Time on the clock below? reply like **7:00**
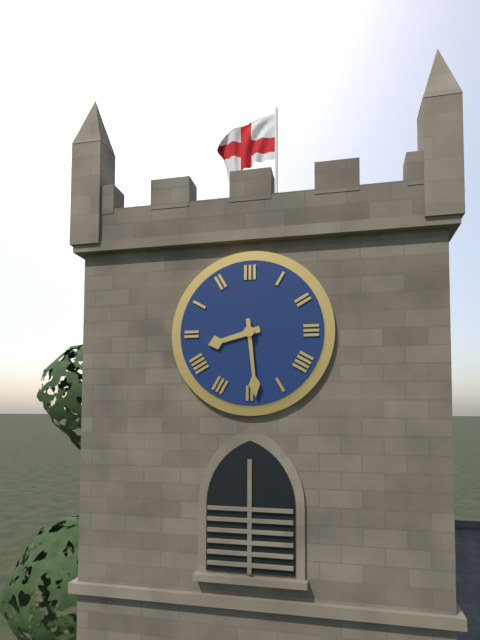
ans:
**8:29**
